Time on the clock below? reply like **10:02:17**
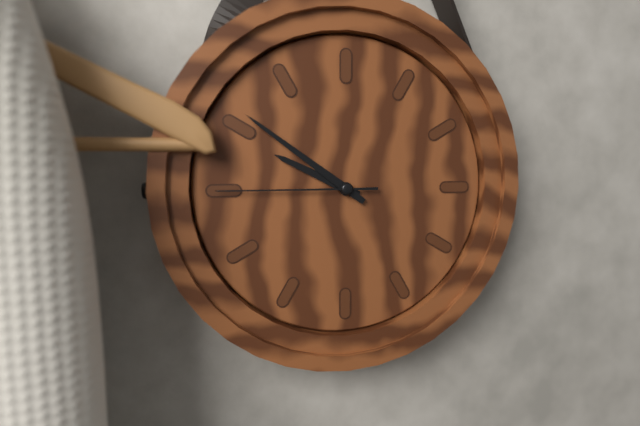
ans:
**9:51:45**
